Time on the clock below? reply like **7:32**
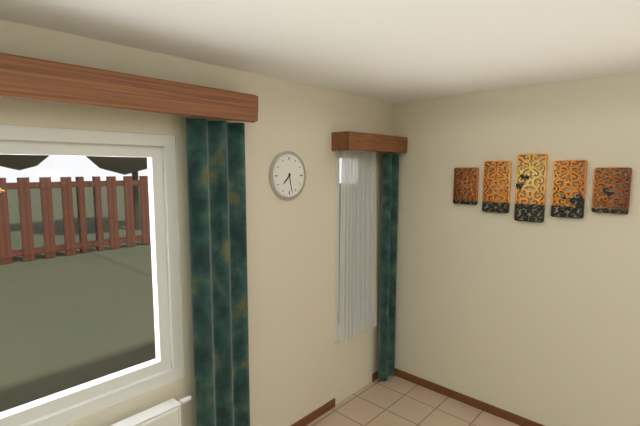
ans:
**7:28**
